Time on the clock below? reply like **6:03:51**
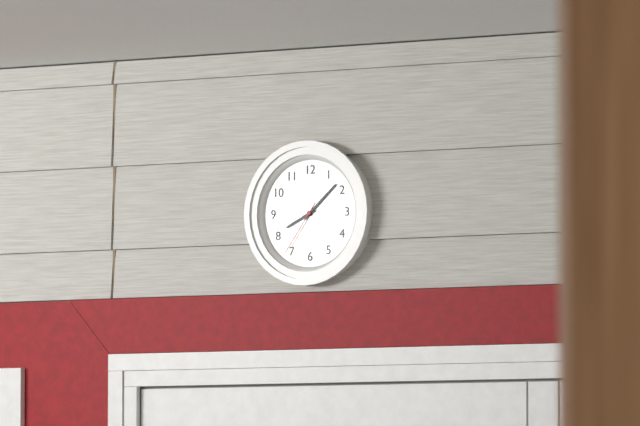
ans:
**8:08:36**
